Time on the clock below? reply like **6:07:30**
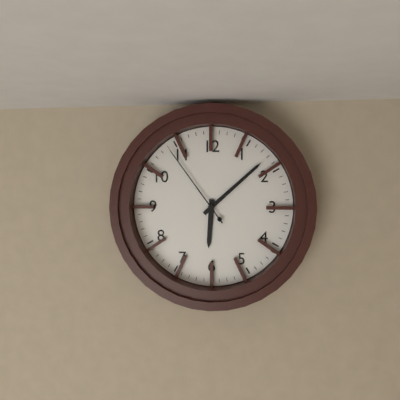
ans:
**6:08:54**
